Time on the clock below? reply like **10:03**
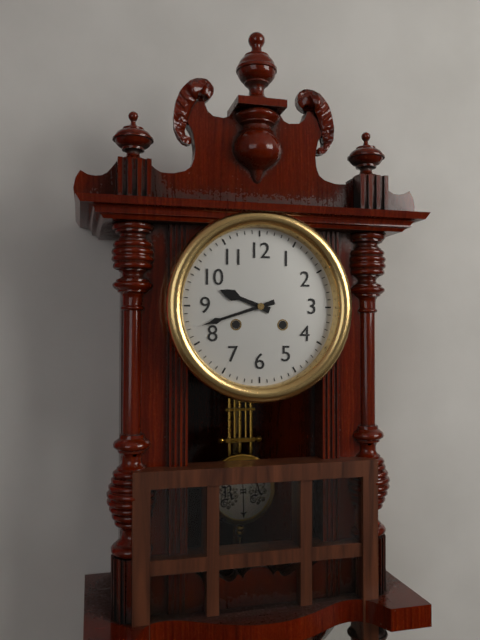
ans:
**9:42**
